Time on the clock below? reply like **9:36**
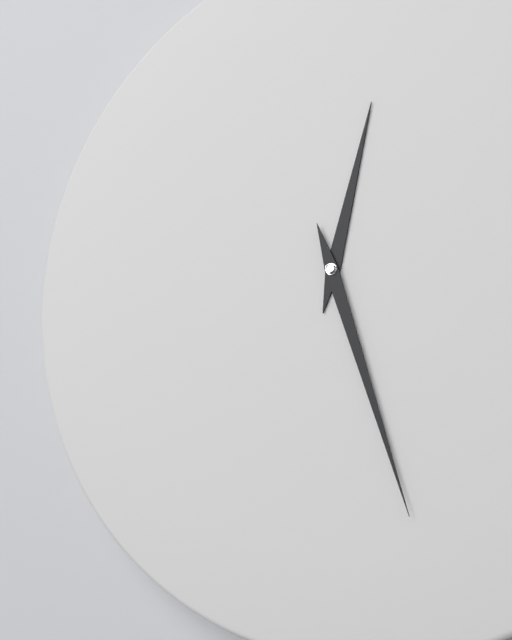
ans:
**12:27**
